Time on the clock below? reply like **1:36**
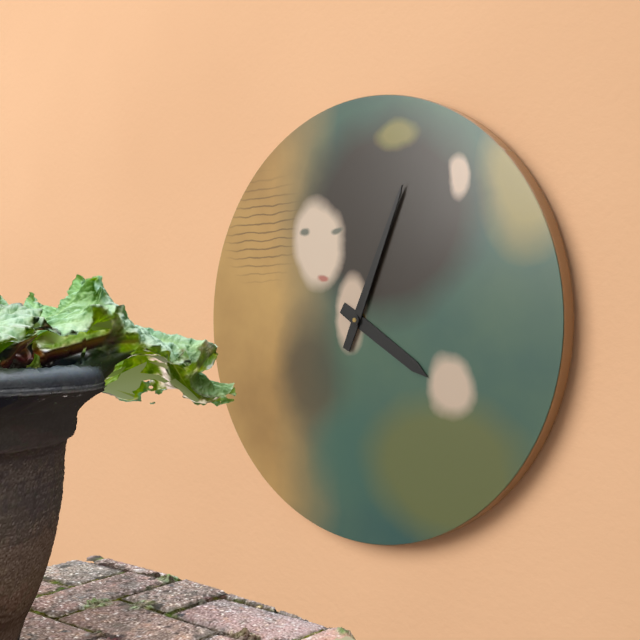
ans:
**4:04**
